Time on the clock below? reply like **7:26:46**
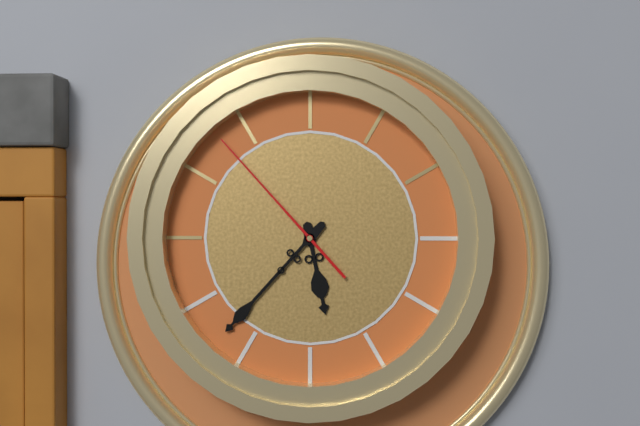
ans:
**5:37:53**
